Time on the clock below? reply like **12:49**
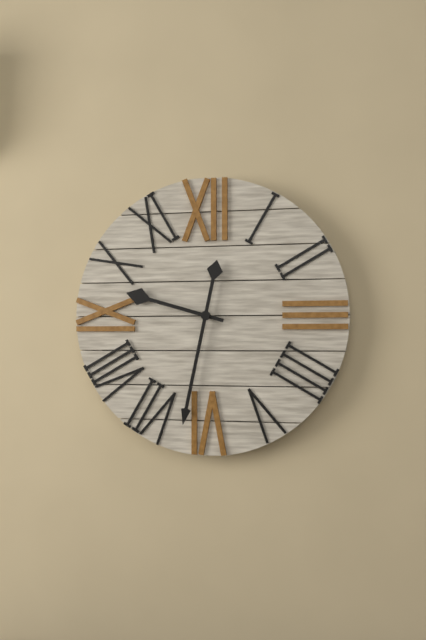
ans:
**9:32**
